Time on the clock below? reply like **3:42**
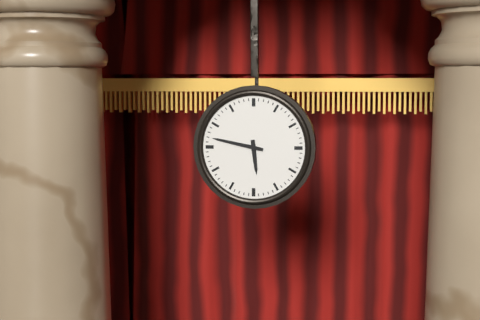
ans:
**5:47**
